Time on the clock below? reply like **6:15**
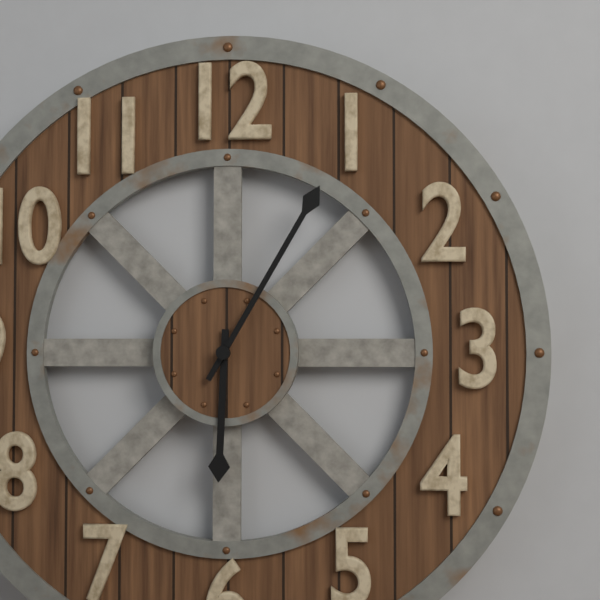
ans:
**6:05**
